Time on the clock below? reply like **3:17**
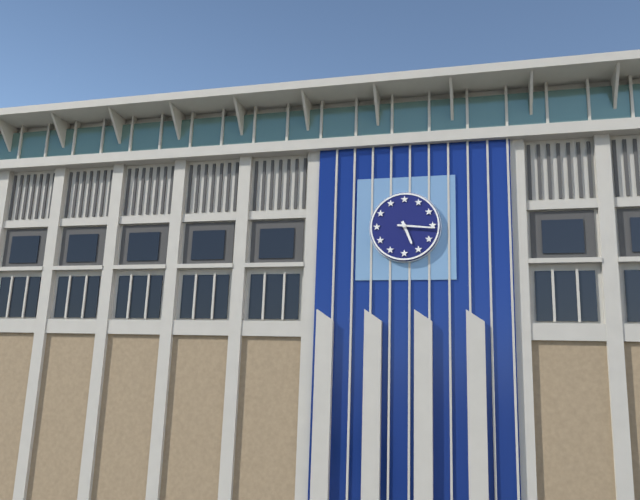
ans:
**5:16**
